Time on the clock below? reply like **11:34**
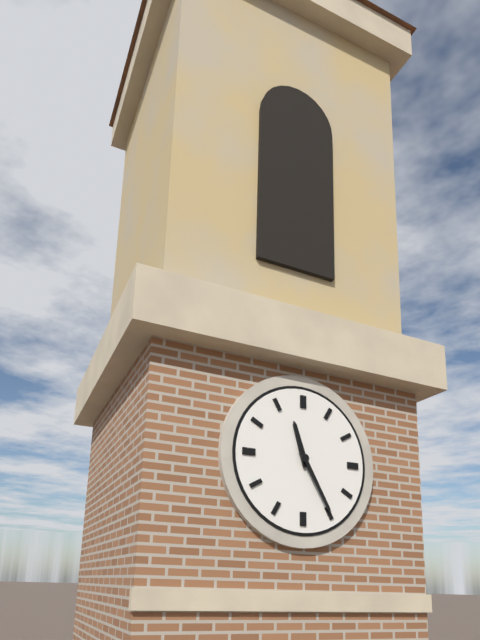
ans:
**11:25**
